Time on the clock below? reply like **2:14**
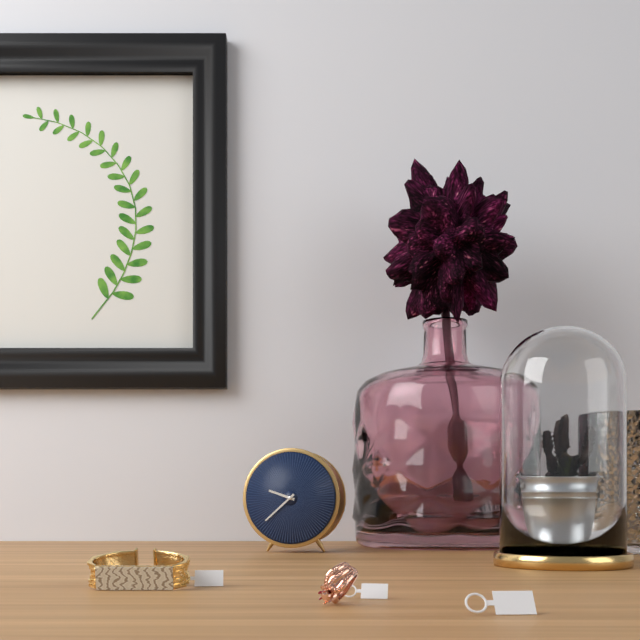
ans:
**9:38**
